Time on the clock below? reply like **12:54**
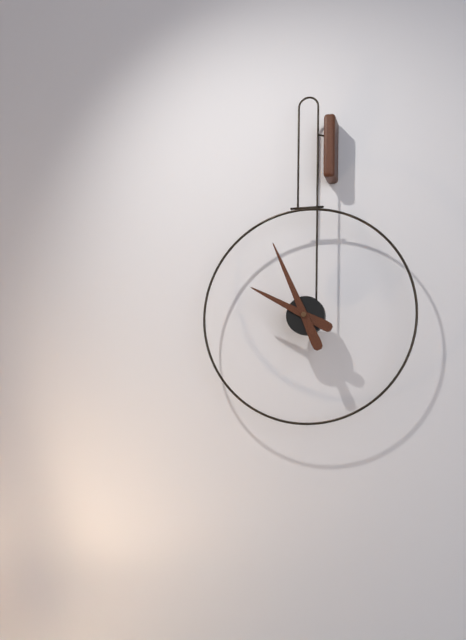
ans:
**9:56**
